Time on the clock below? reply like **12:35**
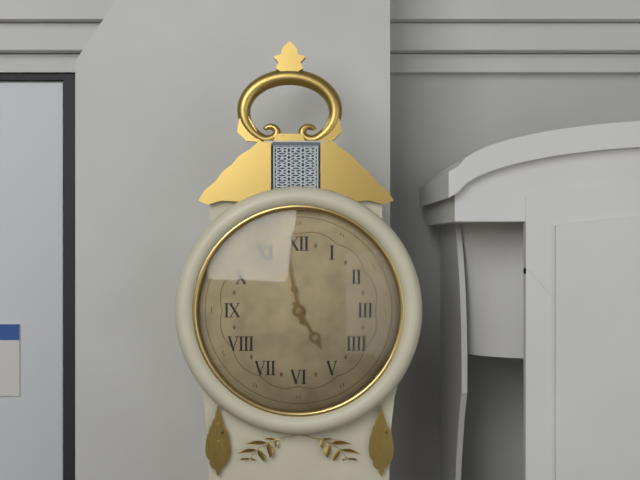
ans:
**4:58**
